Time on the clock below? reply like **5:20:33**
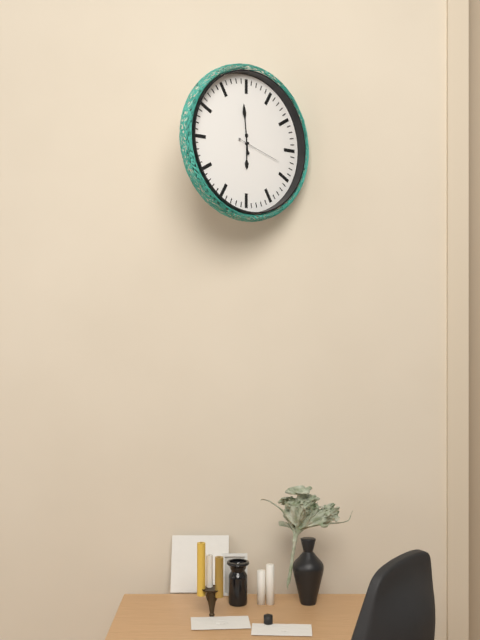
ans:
**5:59:18**
